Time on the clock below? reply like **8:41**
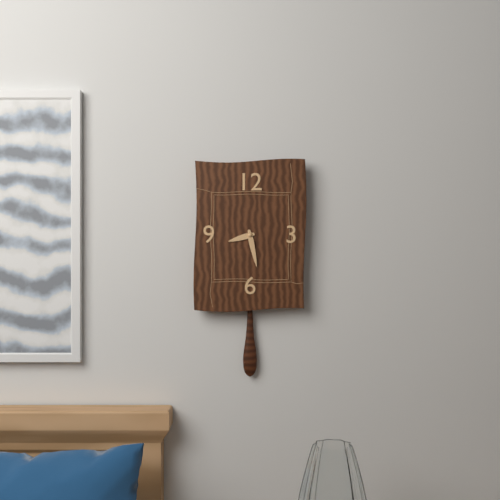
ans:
**8:28**
